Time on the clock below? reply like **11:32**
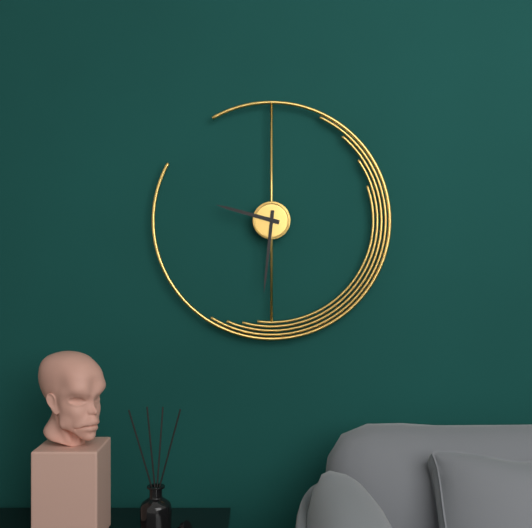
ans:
**9:31**
